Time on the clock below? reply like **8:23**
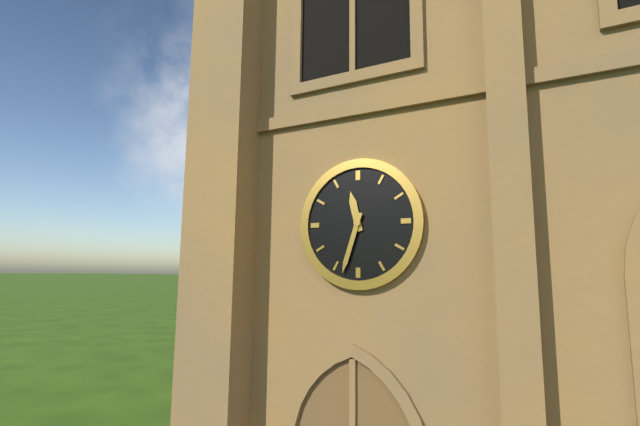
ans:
**11:33**
